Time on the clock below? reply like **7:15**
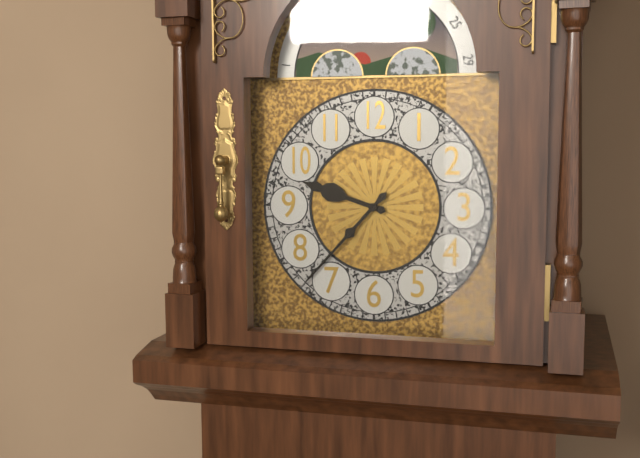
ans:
**9:37**
